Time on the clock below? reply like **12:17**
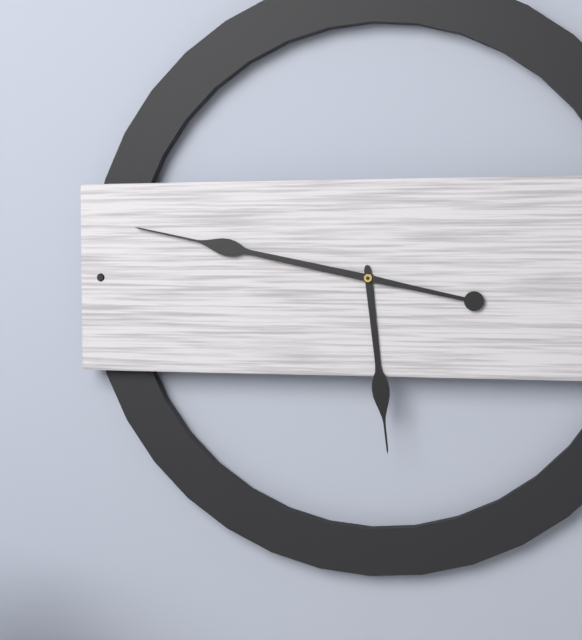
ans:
**5:47**
